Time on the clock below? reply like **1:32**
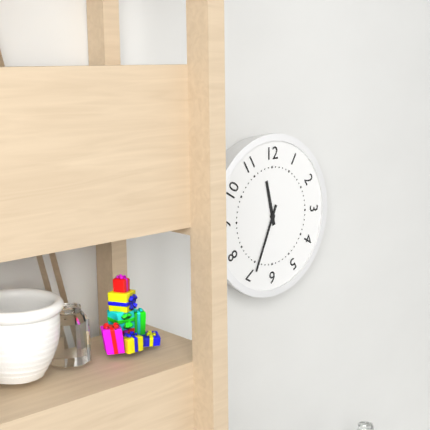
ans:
**11:34**
